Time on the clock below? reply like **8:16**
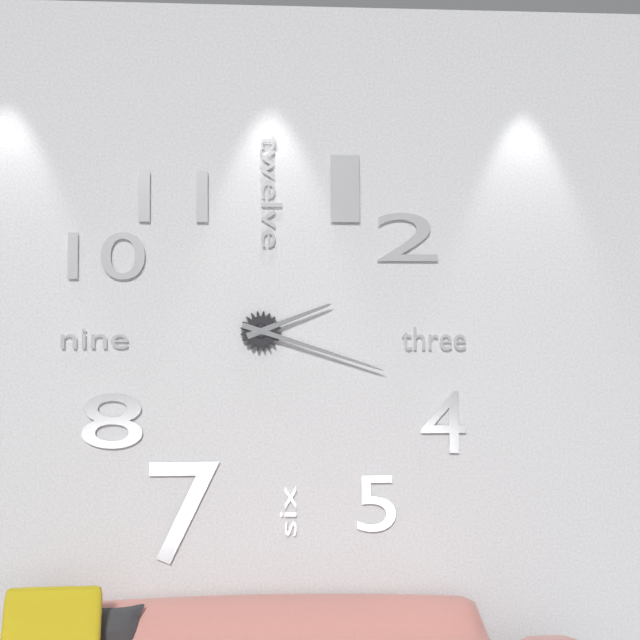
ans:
**2:18**
